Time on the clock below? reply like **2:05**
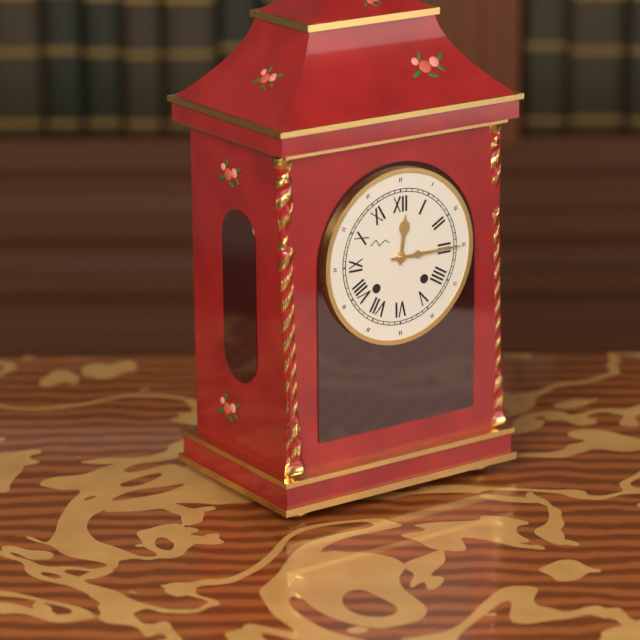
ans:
**12:15**
